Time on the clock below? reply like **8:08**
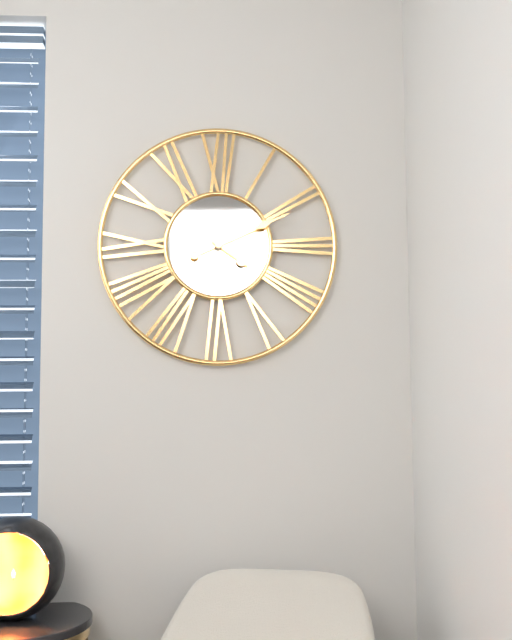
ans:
**4:11**
